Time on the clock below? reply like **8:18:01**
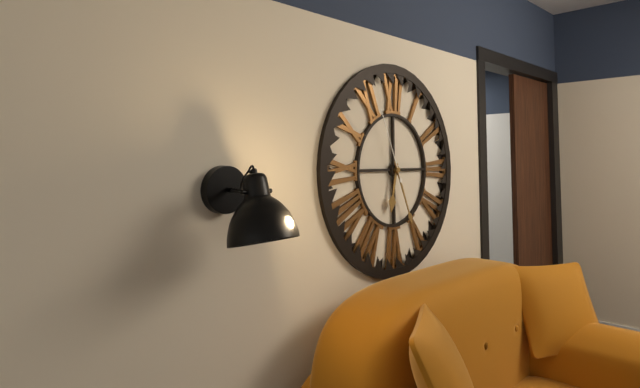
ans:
**6:26:56**
